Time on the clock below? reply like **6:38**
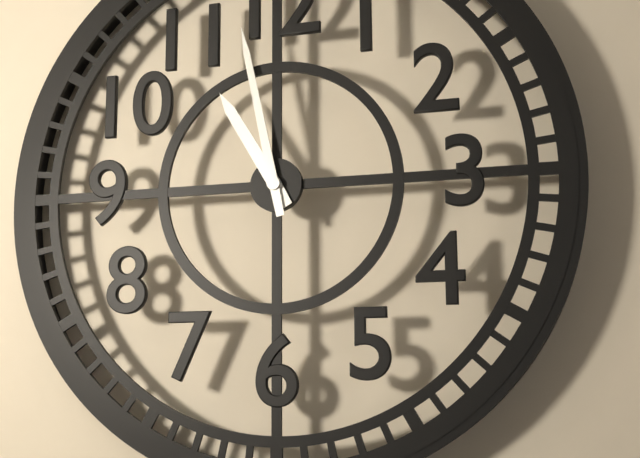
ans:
**10:58**
